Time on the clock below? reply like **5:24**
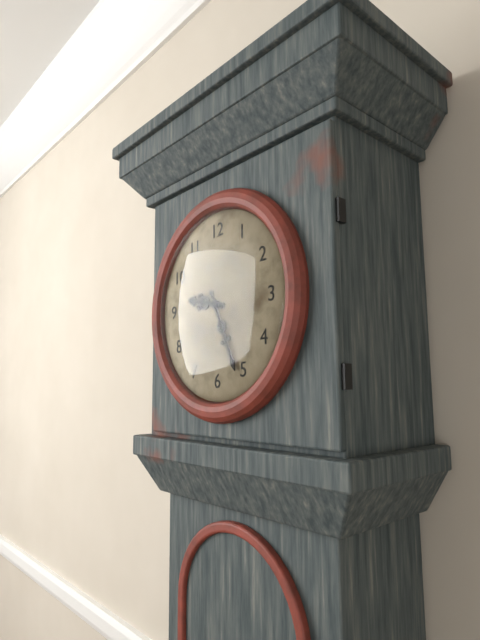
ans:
**9:26**
